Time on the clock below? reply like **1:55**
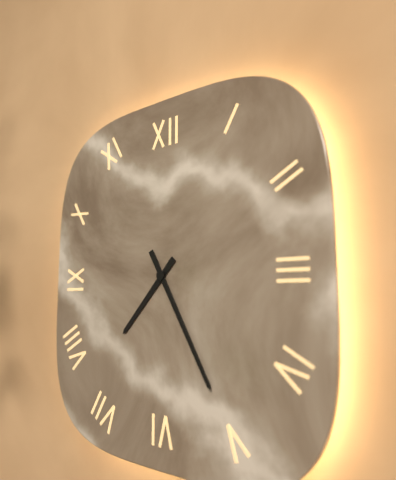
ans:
**7:25**
